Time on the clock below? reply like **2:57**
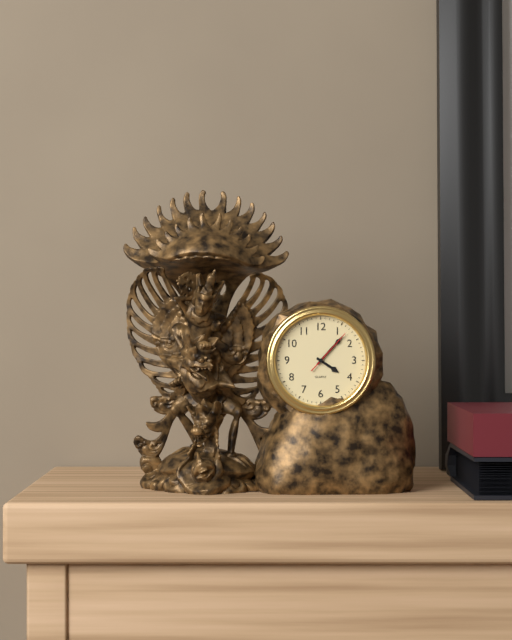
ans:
**4:07**
